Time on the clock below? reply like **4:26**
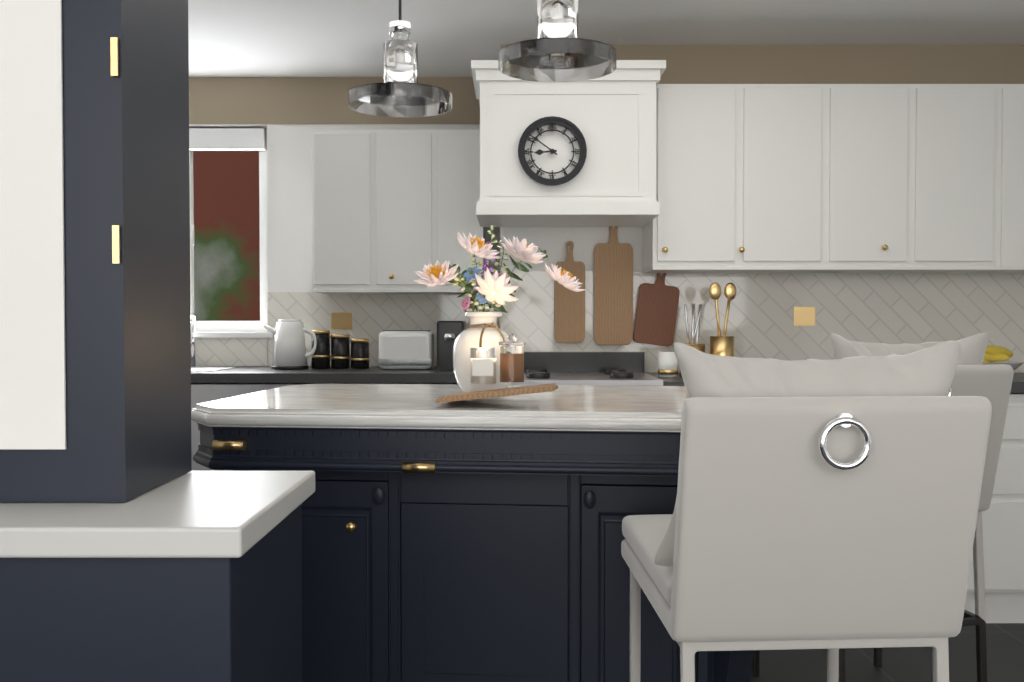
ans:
**8:51**
